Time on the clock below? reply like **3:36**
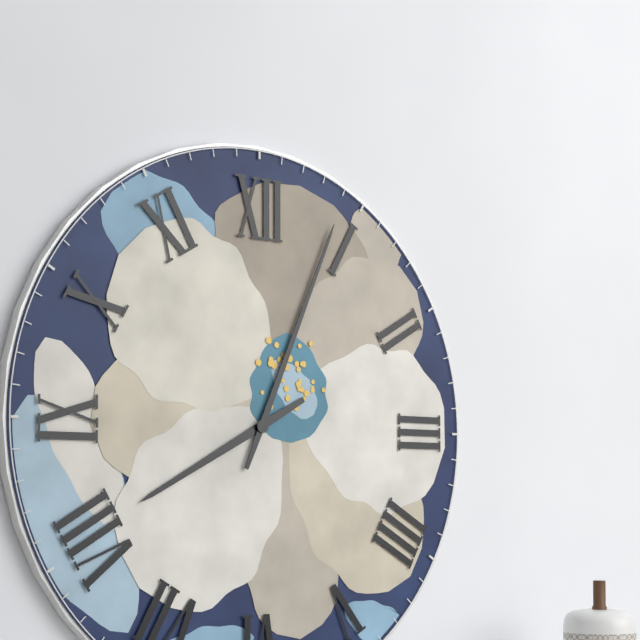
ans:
**8:04**
